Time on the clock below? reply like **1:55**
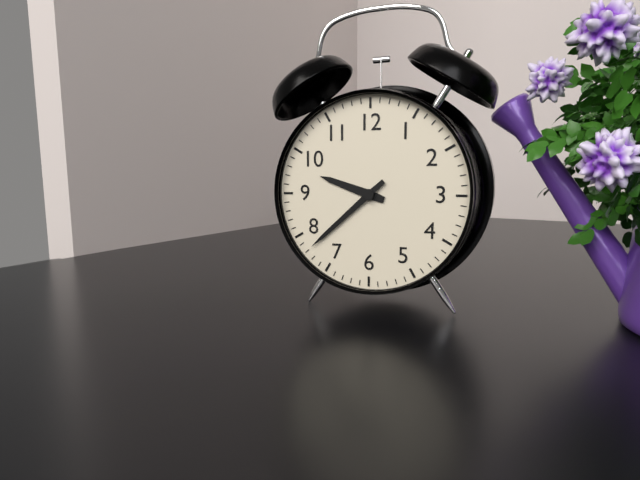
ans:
**9:38**
